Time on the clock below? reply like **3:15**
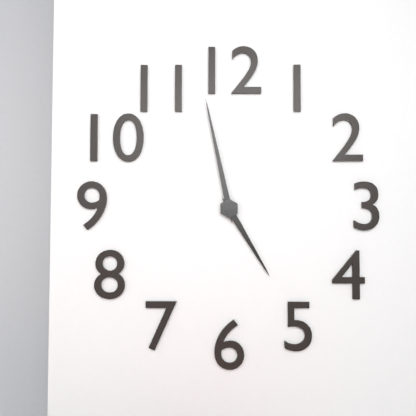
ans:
**4:58**
